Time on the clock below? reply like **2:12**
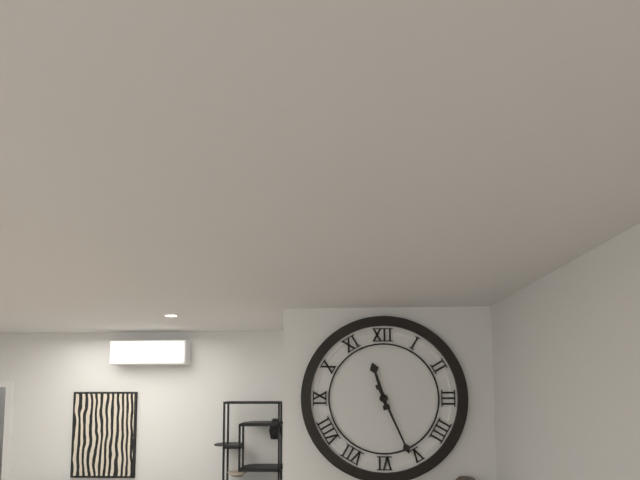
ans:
**11:26**
